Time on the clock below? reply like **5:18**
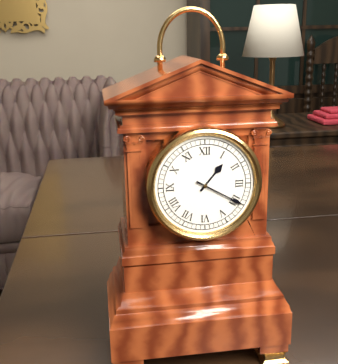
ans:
**1:20**
